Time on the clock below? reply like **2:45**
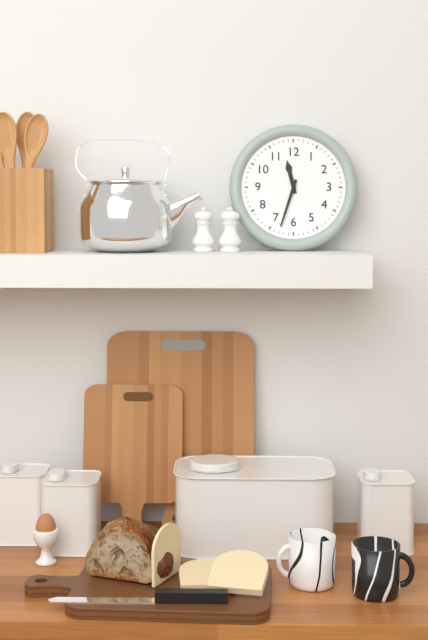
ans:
**11:33**
